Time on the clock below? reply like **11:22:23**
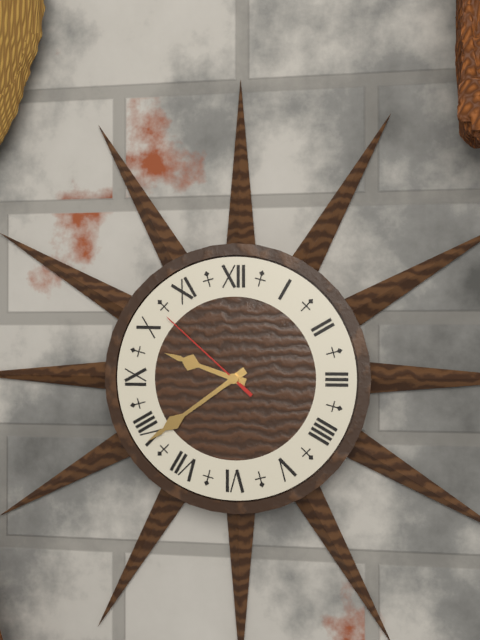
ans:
**9:39:52**
